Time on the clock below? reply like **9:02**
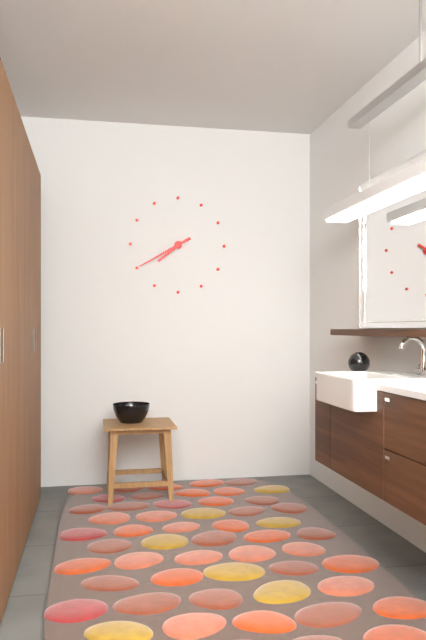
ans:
**7:40**
